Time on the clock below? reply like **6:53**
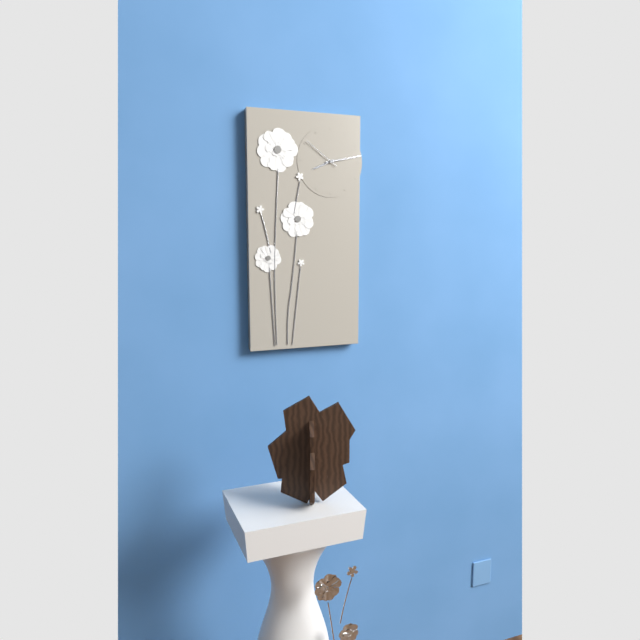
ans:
**8:13**
